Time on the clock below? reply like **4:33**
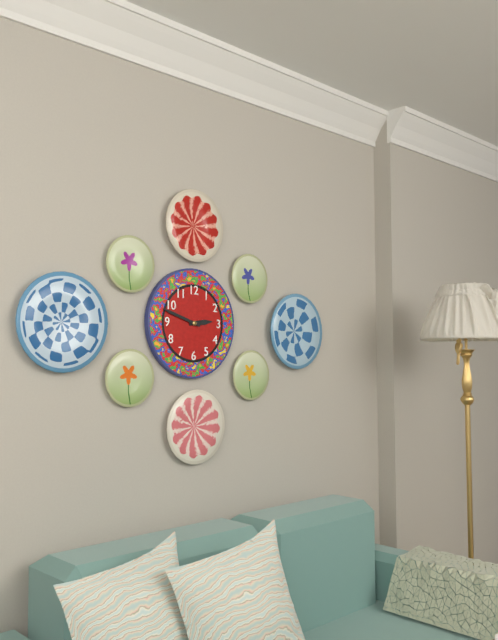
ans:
**2:48**
